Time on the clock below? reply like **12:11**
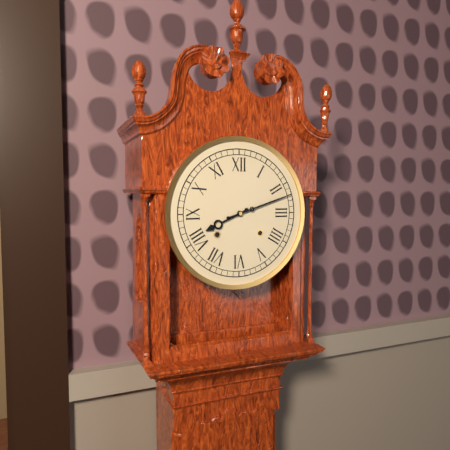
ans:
**8:12**
